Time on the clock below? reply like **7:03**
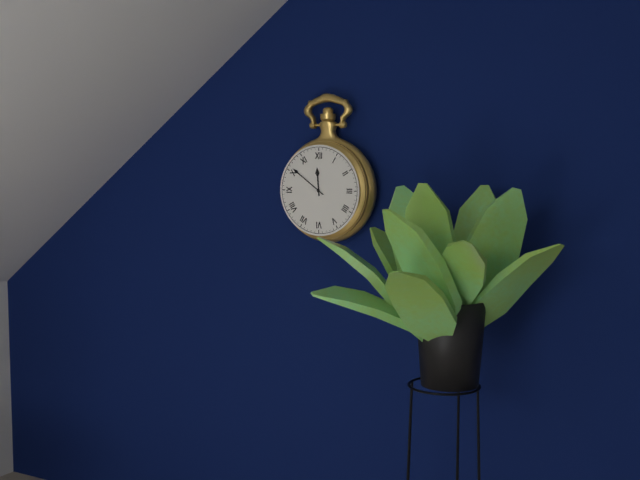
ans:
**11:51**
